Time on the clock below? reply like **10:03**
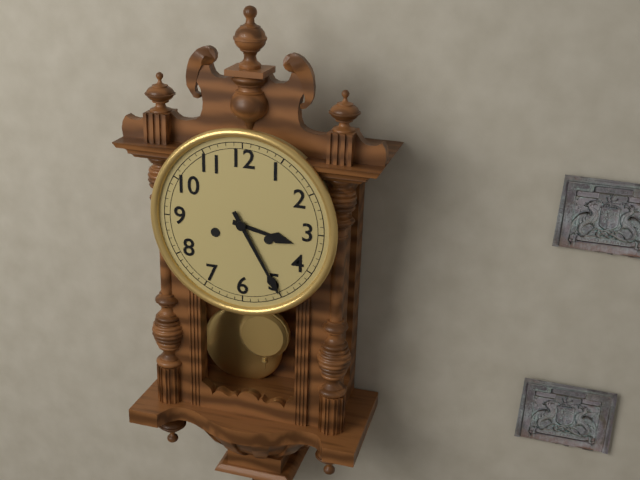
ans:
**3:25**
